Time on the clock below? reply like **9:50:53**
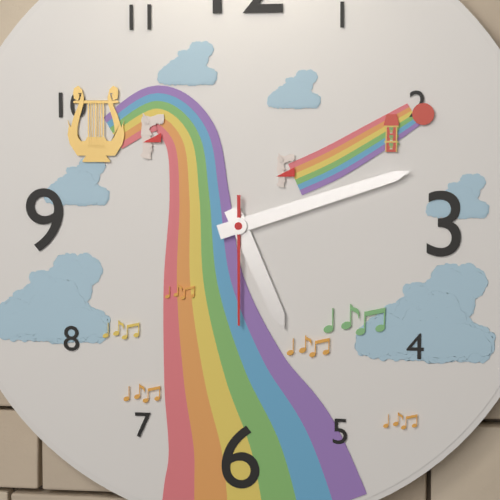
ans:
**5:12:30**
